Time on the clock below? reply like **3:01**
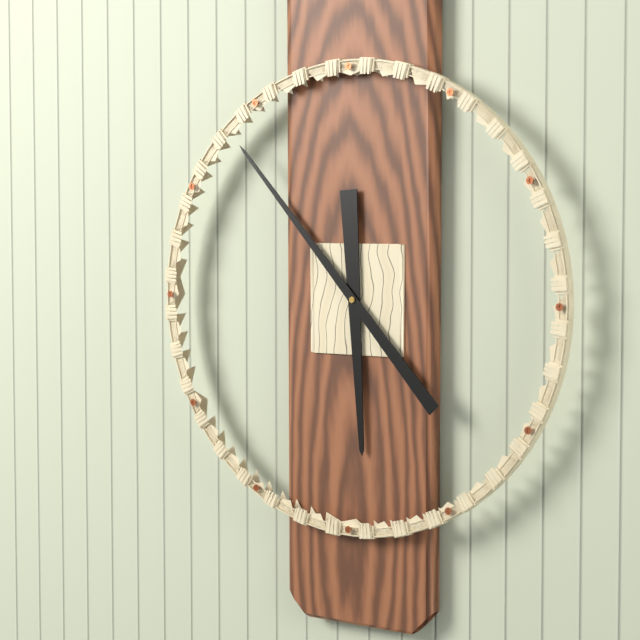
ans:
**5:53**
